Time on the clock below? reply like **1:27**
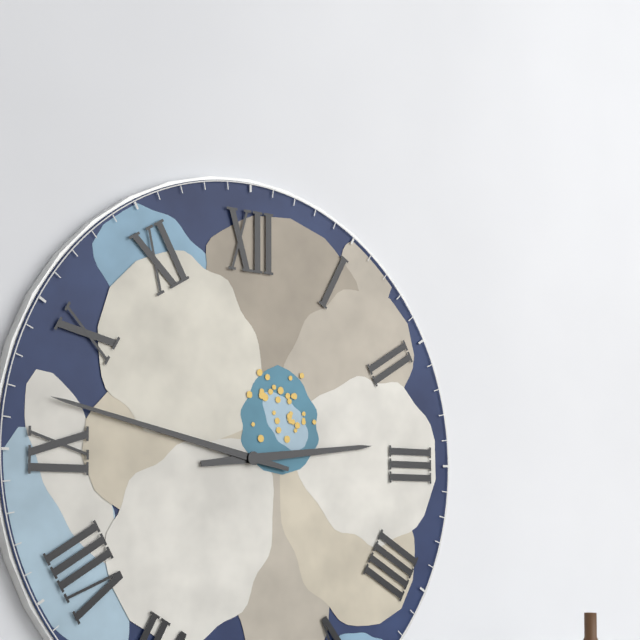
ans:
**2:47**
